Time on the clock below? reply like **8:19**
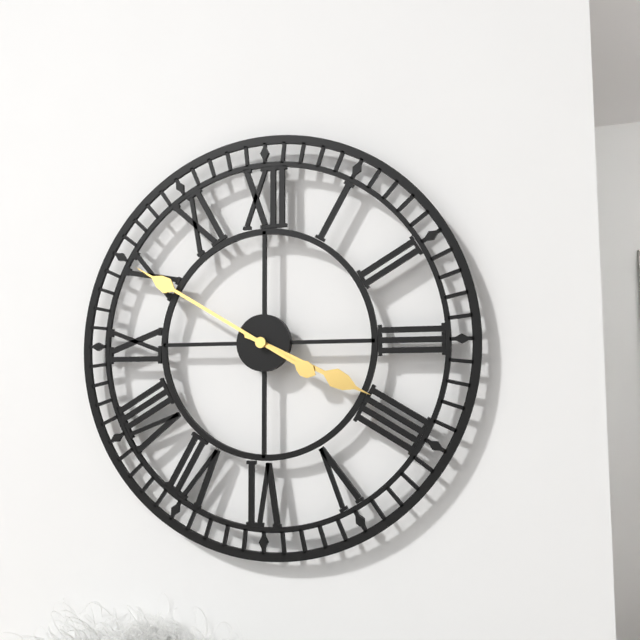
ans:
**3:50**
